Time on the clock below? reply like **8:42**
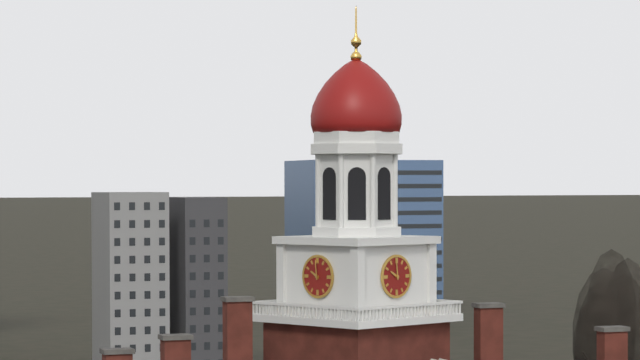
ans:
**9:59**
